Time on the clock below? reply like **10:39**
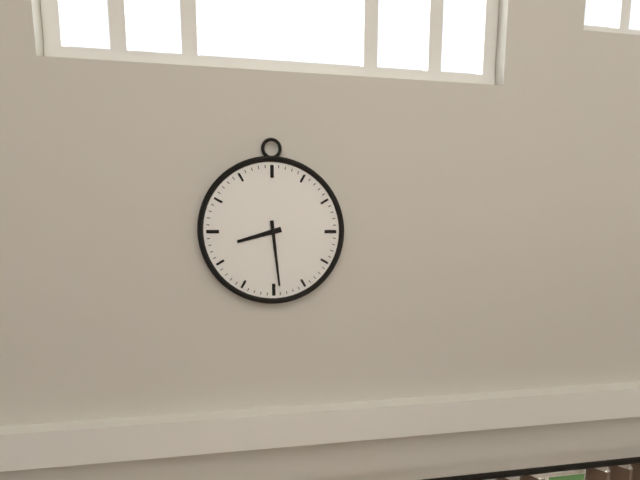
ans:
**8:29**
